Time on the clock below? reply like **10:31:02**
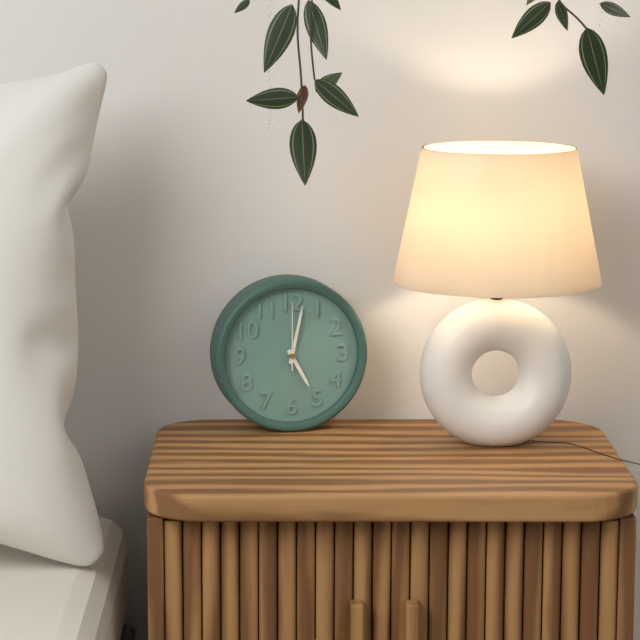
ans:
**5:02:00**
